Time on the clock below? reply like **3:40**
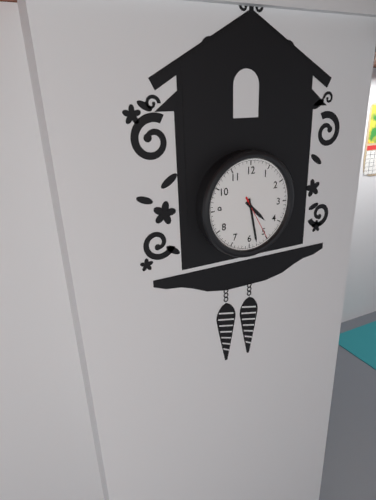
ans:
**4:28**
